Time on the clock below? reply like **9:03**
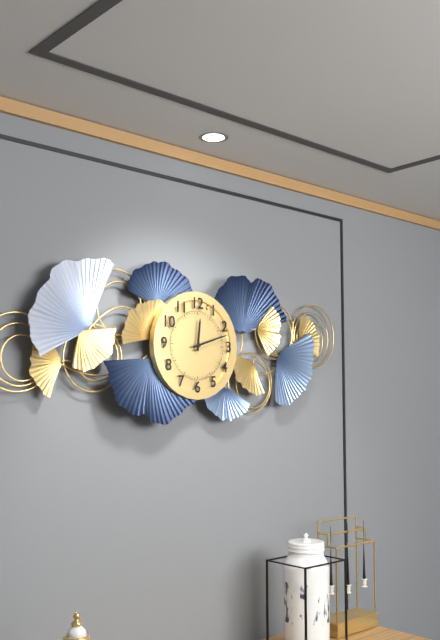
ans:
**12:12**
